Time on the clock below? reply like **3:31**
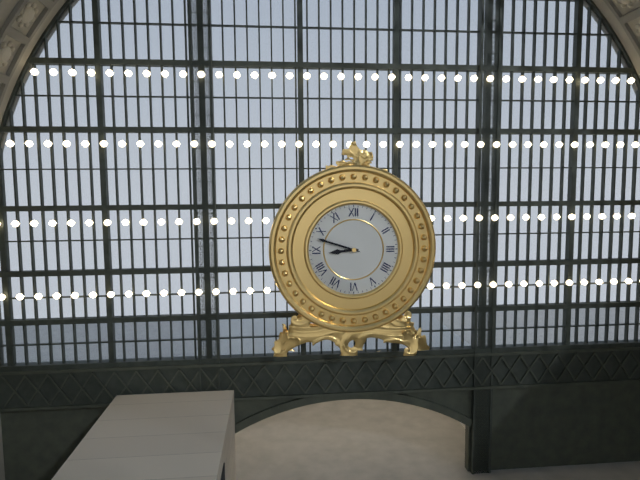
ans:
**8:48**
